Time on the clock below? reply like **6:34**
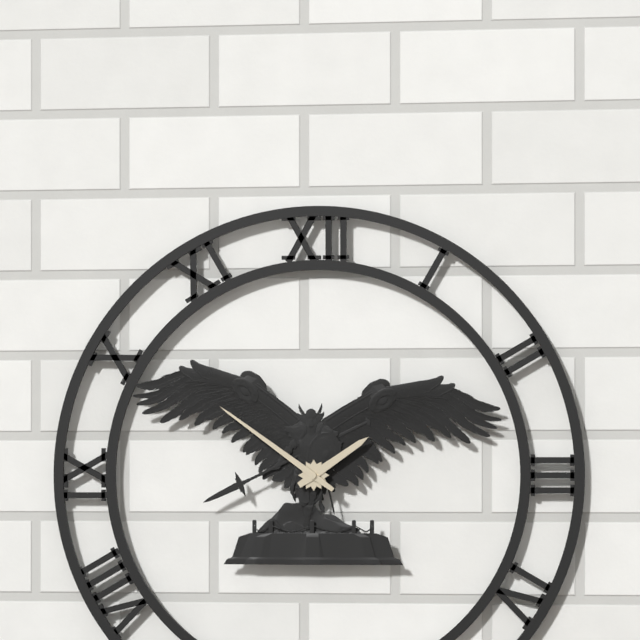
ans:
**1:51**
